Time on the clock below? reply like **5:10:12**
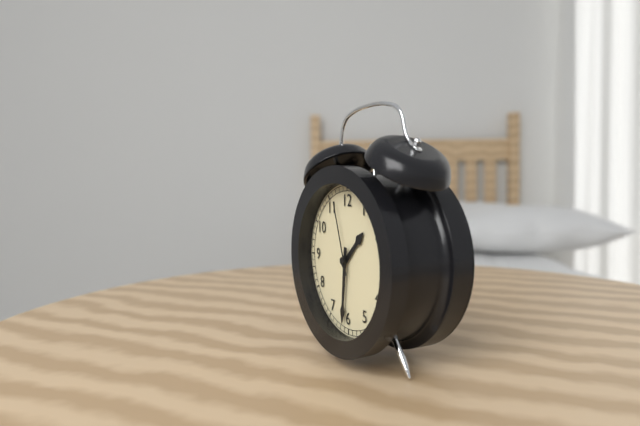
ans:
**1:31:57**
